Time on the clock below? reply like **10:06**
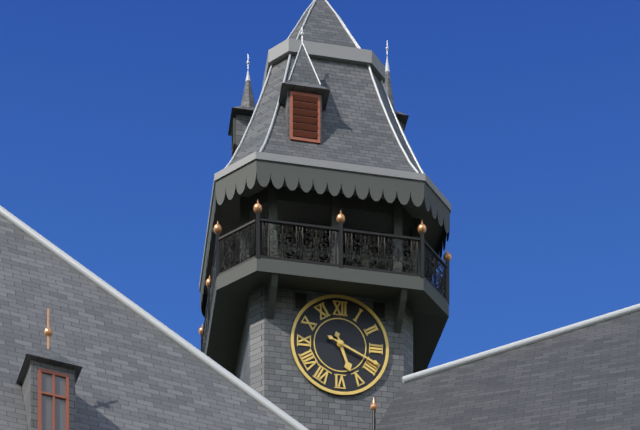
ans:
**5:19**
